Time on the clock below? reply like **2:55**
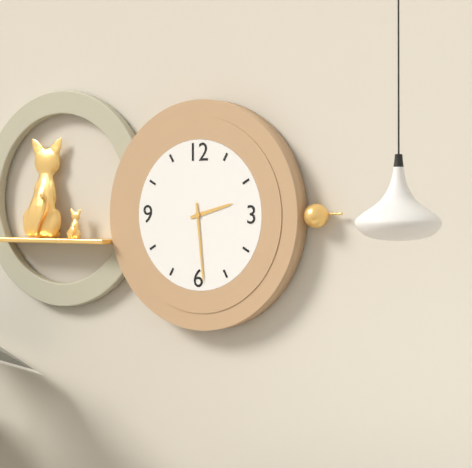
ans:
**2:29**
